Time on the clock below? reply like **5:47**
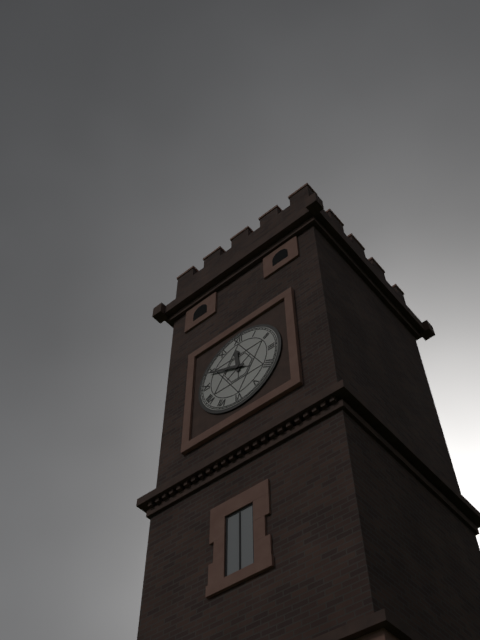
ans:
**11:49**
